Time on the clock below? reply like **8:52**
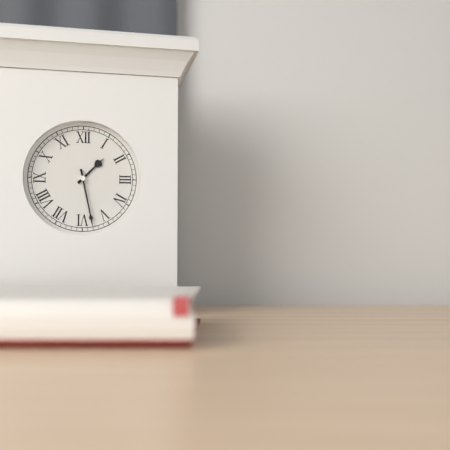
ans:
**1:28**
